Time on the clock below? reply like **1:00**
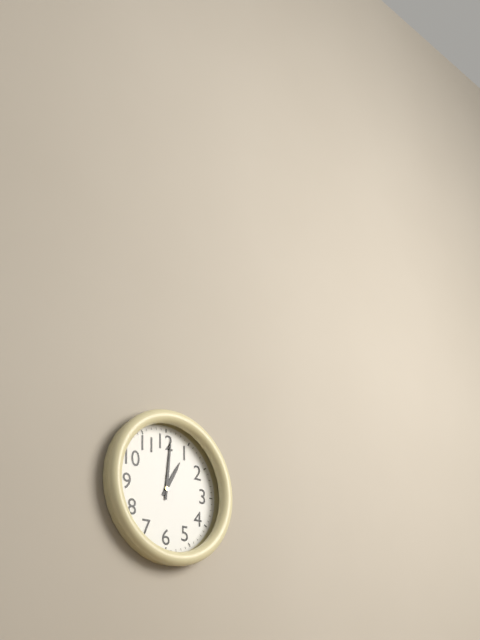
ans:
**1:01**
